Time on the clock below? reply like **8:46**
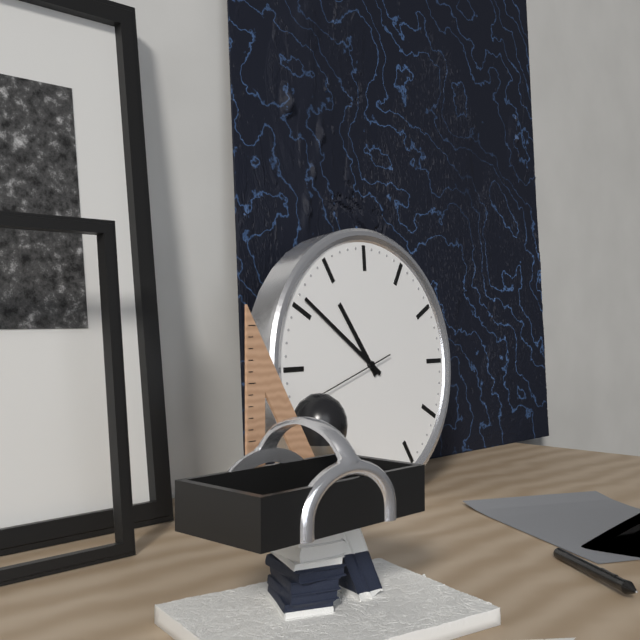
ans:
**10:51**
